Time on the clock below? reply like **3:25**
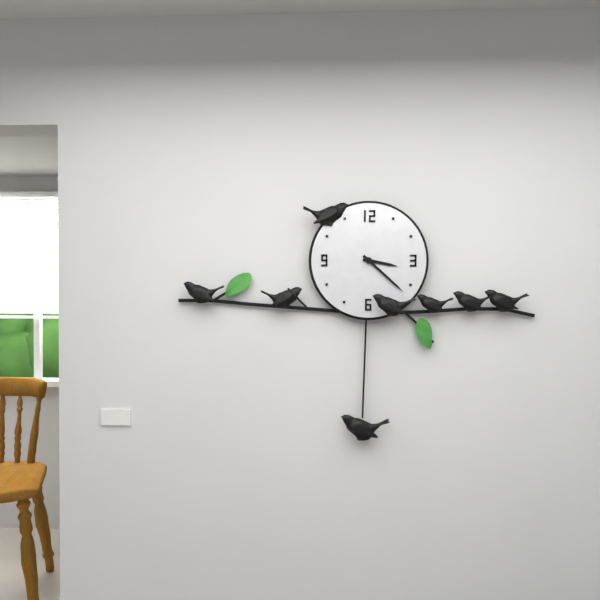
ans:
**3:22**
